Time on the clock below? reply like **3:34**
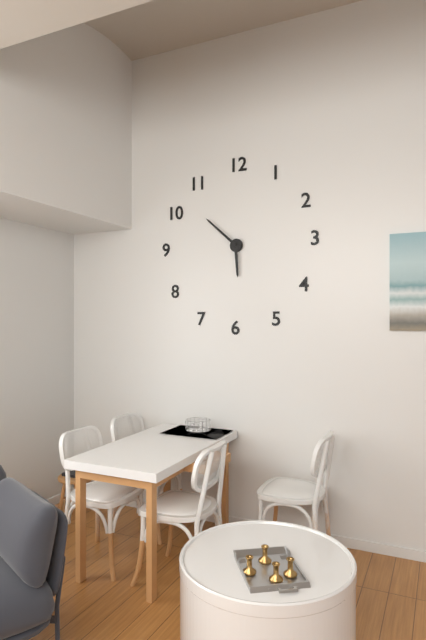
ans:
**5:52**
